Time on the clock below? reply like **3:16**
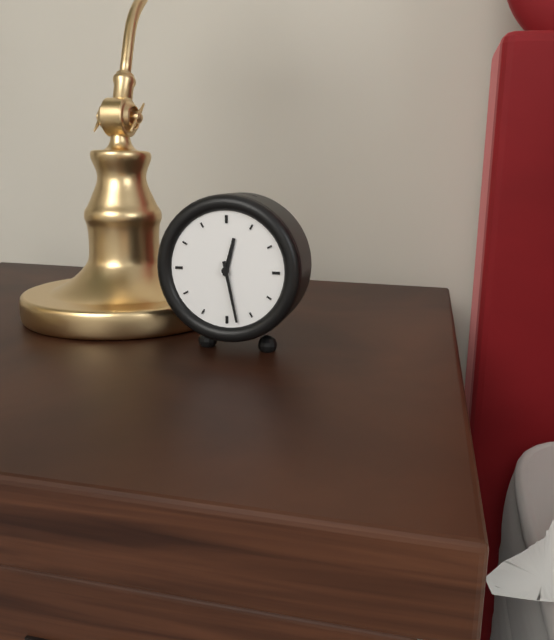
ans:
**12:28**
